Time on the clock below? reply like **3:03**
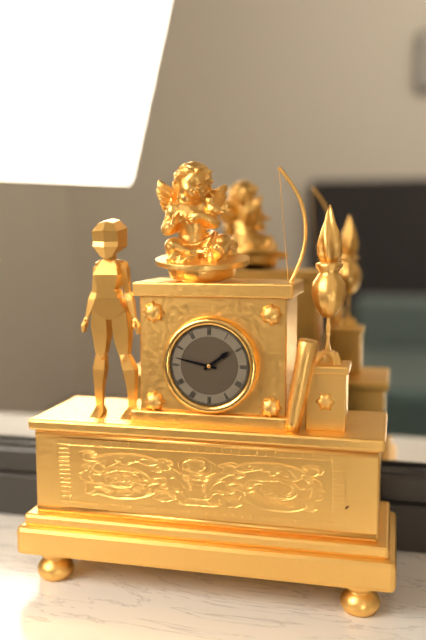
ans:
**1:47**
